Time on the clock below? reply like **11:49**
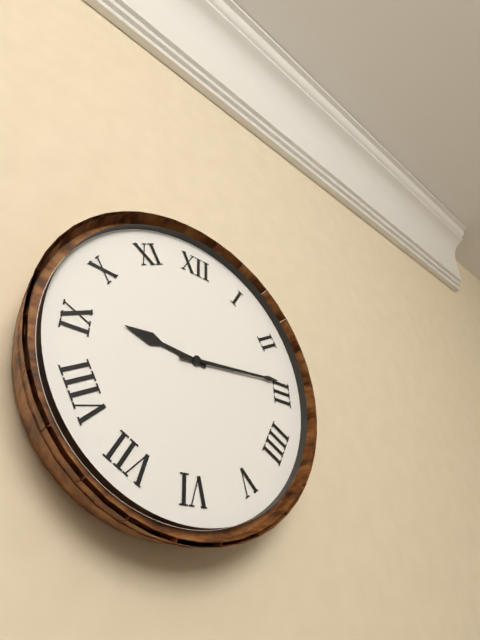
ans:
**9:14**
